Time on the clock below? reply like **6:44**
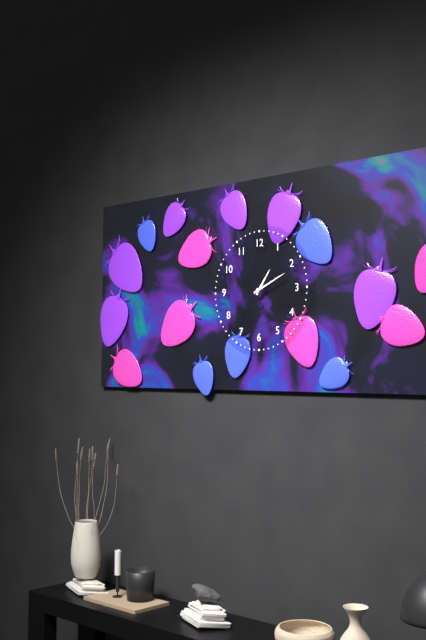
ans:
**1:11**
